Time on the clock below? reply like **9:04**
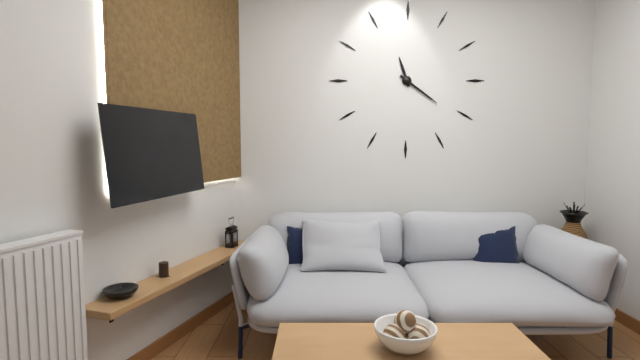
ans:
**11:21**
